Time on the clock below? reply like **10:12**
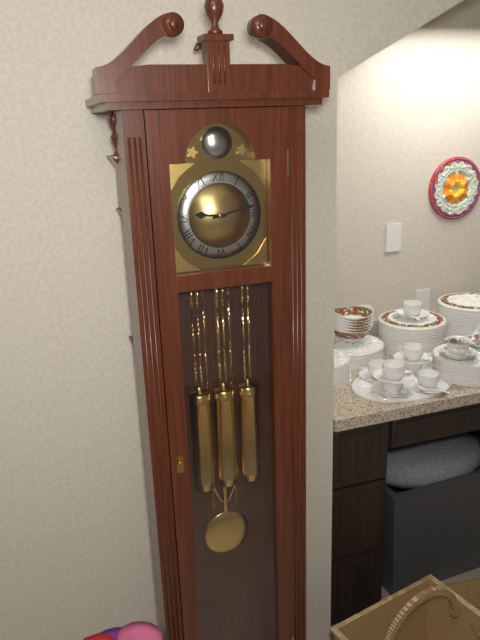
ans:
**9:13**
